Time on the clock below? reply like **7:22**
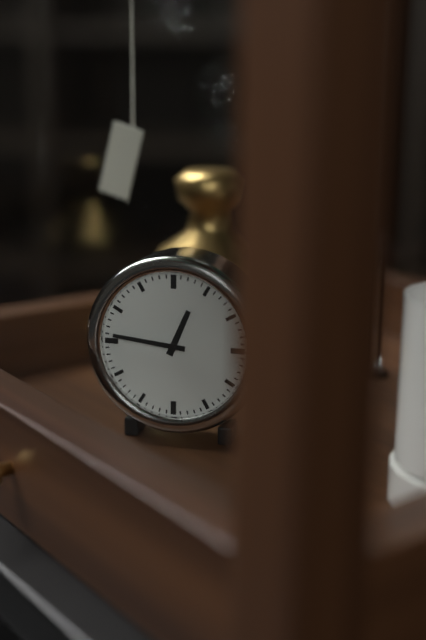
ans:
**12:46**
